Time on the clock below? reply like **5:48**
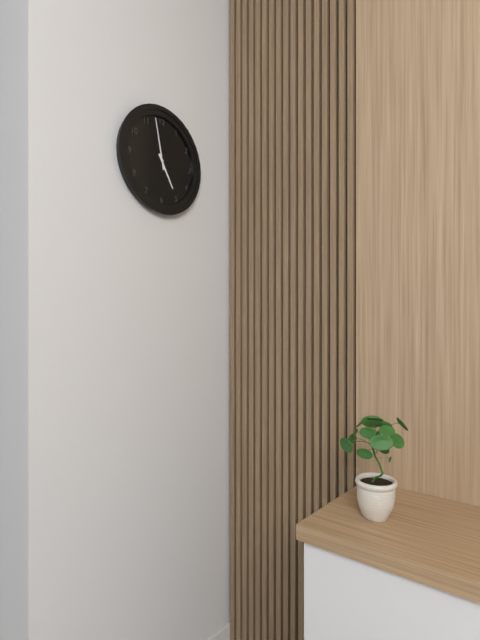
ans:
**4:58**
